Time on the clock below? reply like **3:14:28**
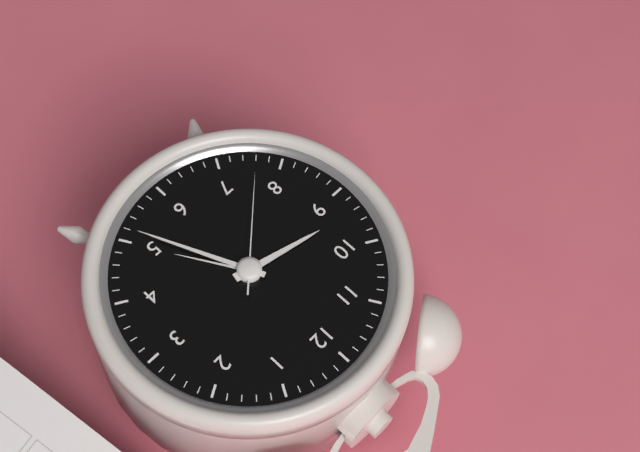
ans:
**9:26:38**
